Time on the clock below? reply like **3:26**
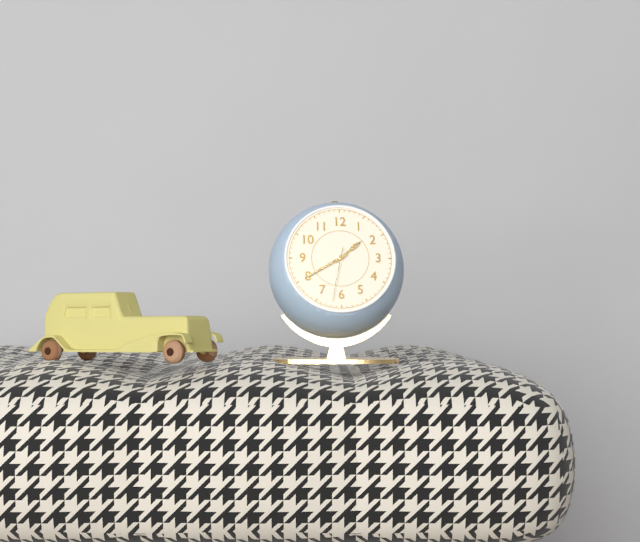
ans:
**1:40**
